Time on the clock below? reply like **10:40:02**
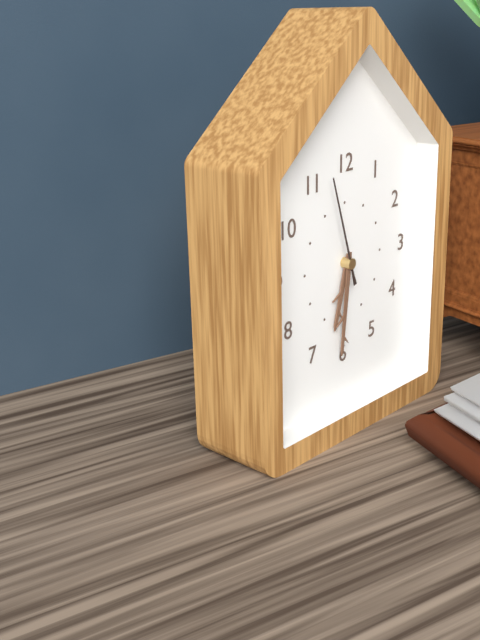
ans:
**6:31:57**
